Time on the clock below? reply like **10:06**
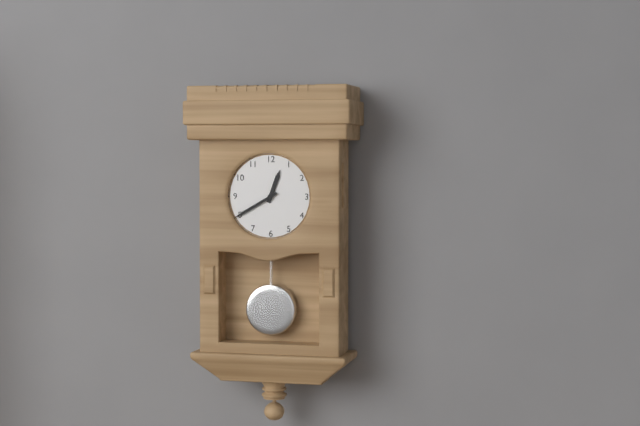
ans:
**12:40**
